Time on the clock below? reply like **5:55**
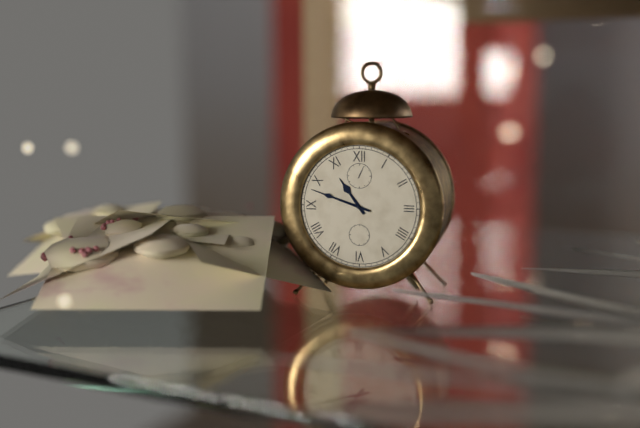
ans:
**10:48**
